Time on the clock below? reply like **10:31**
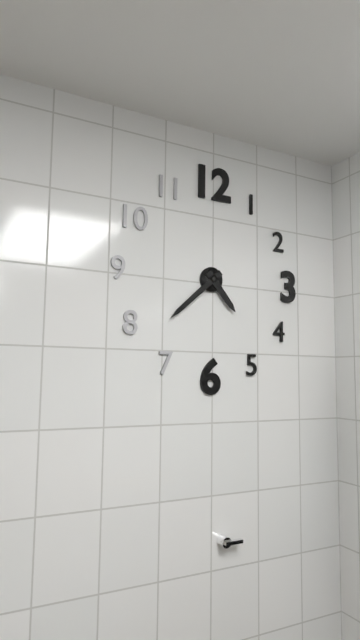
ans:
**4:38**
